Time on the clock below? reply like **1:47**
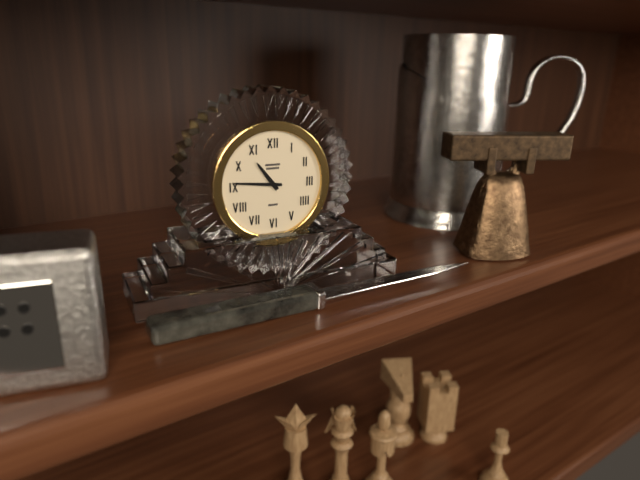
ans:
**10:46**
